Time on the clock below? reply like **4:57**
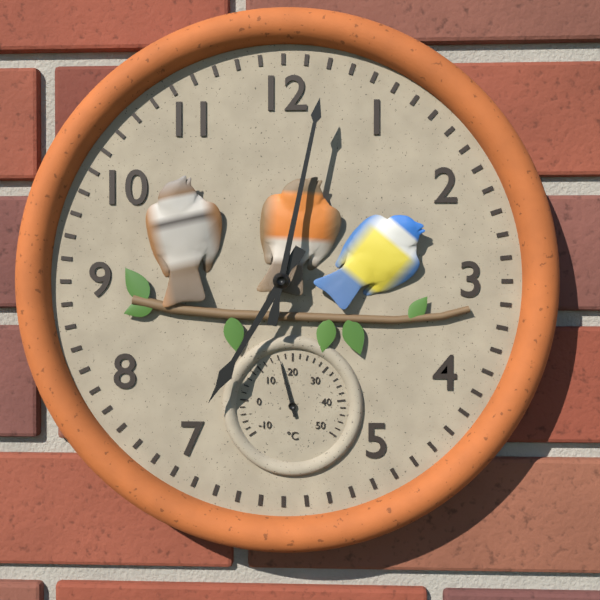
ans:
**7:02**
